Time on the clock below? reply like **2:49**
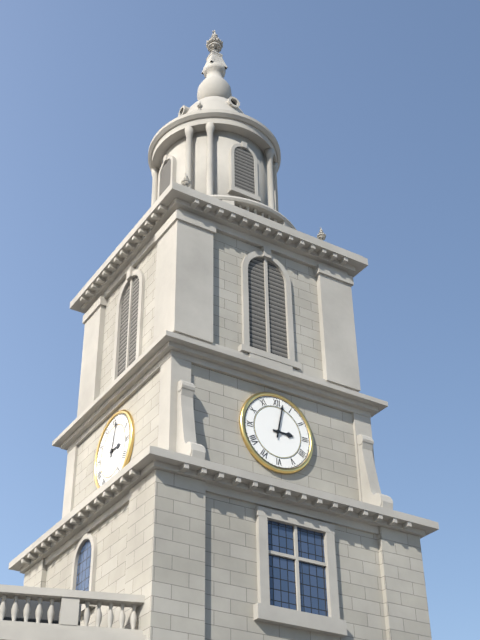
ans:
**3:02**
